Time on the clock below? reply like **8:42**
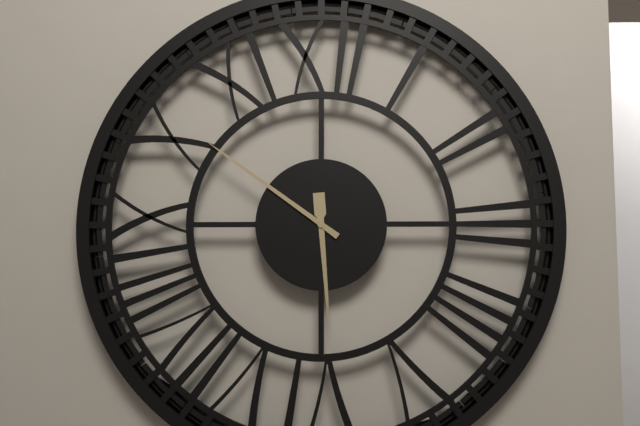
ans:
**5:51**
